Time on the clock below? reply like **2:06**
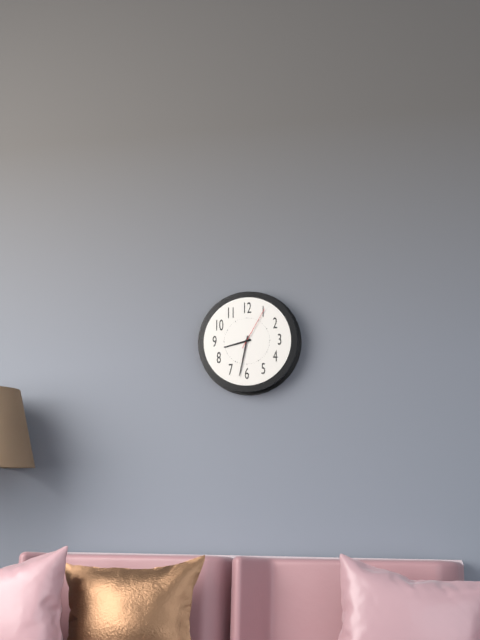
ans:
**8:32**
